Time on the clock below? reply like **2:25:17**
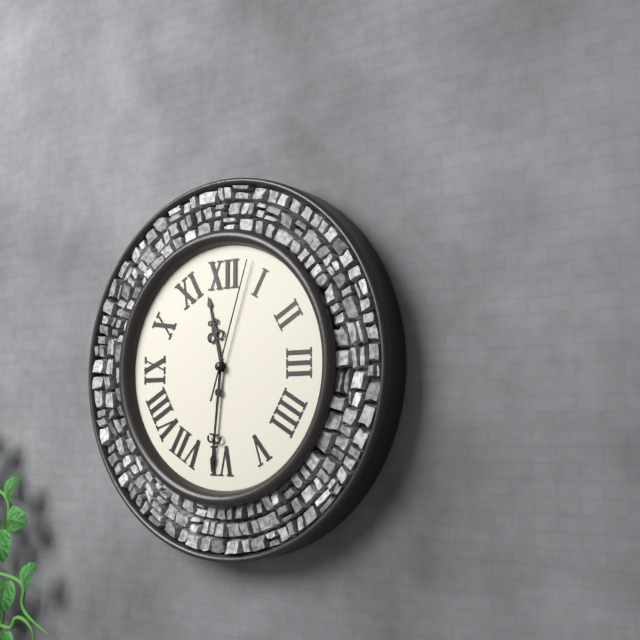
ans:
**11:31:03**
